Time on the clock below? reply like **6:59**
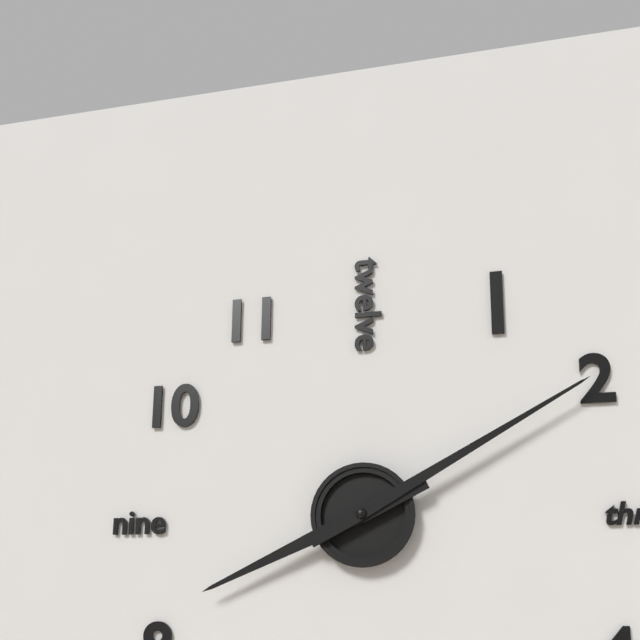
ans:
**8:10**
